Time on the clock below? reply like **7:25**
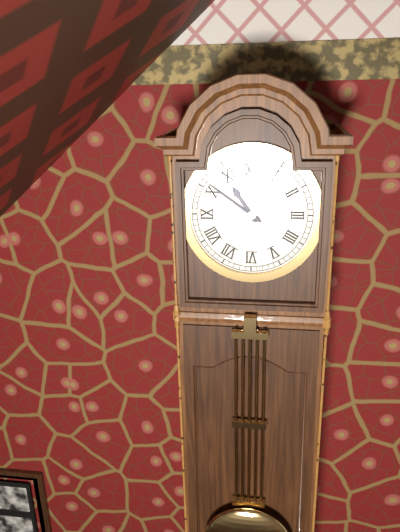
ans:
**10:51**
